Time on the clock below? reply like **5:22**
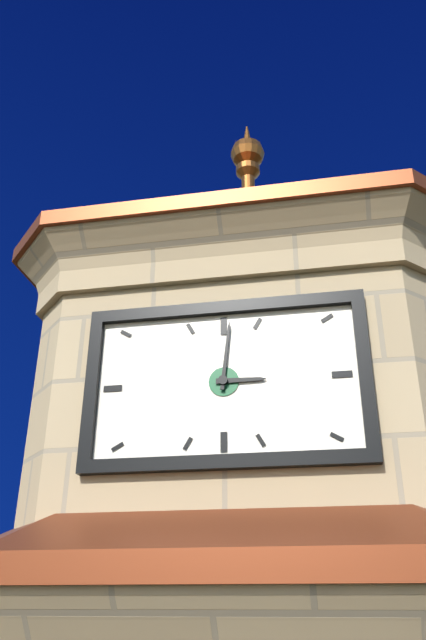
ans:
**3:01**
